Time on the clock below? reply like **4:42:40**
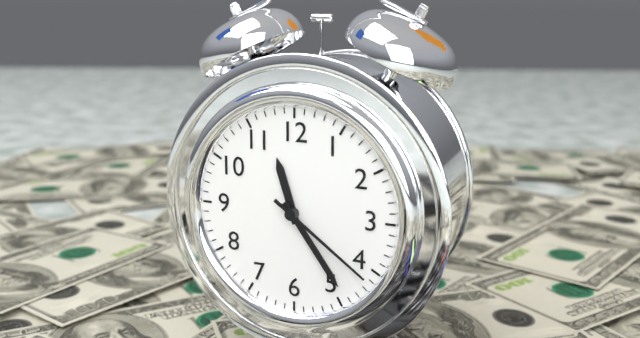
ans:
**11:24:21**
